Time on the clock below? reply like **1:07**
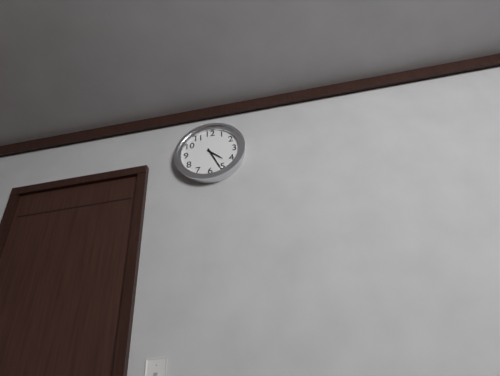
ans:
**4:26**
